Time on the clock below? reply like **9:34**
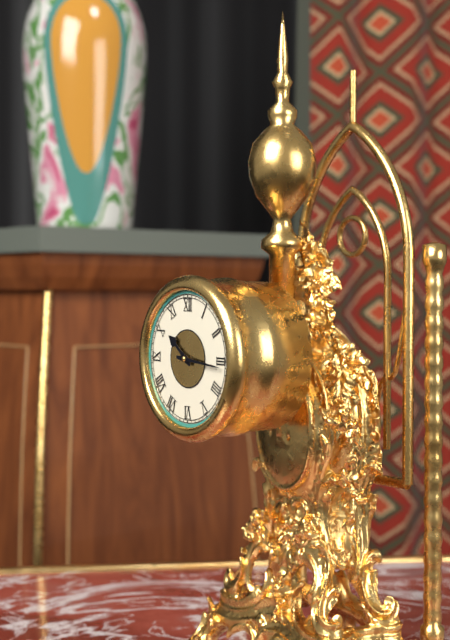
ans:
**10:16**
